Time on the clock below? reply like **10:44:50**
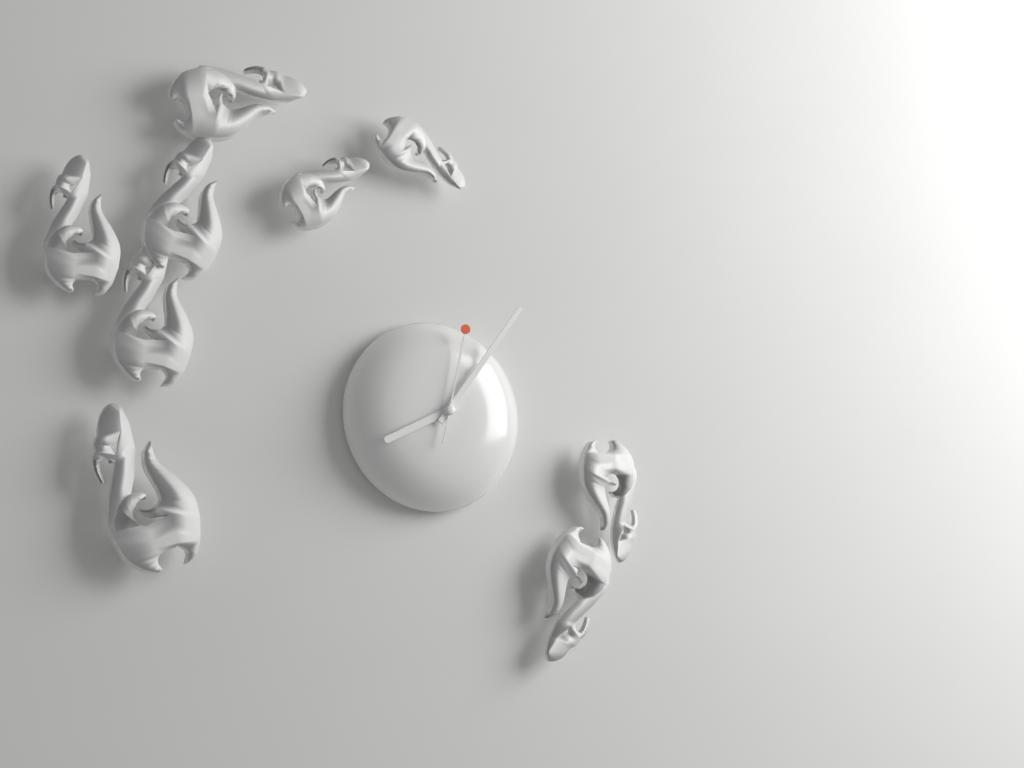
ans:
**8:06:02**
